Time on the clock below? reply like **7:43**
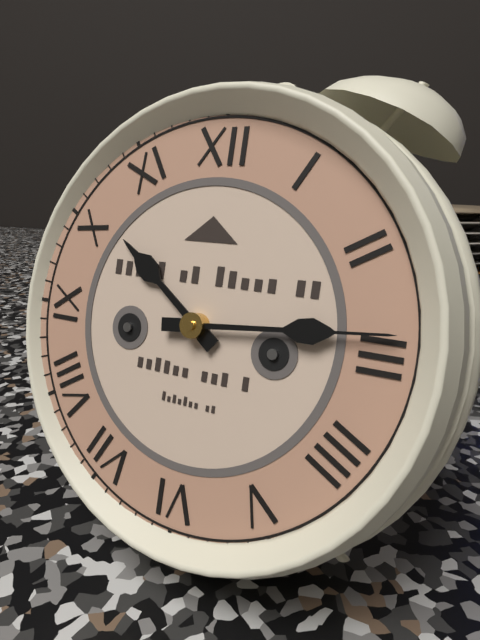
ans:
**10:14**
